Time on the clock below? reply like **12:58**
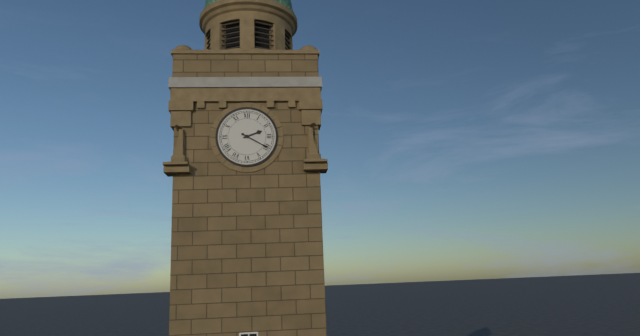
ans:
**2:20**
